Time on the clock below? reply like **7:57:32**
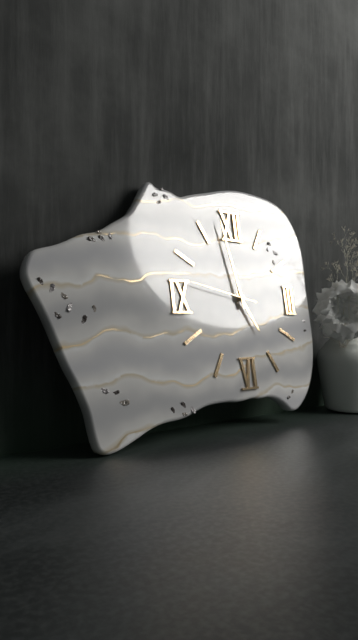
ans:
**4:58:47**
